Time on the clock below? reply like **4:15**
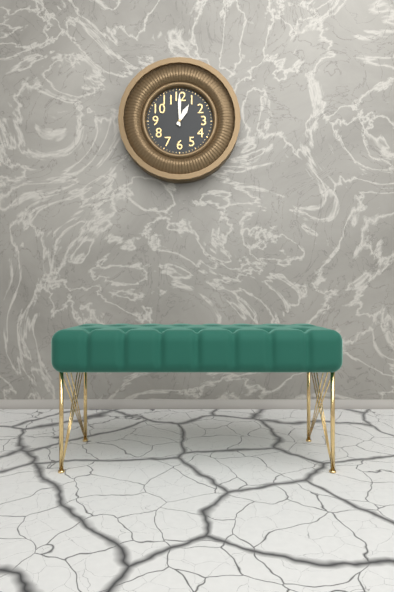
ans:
**1:00**
